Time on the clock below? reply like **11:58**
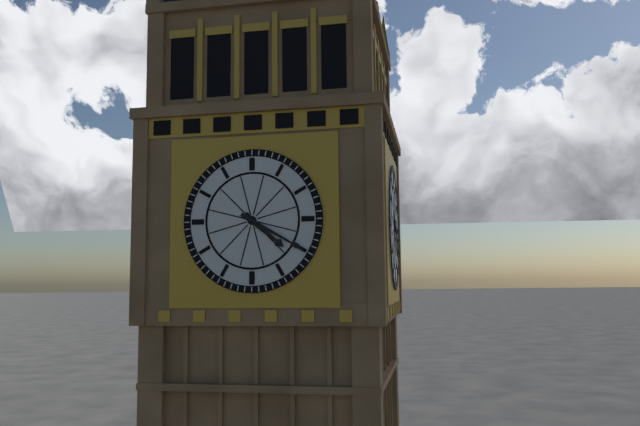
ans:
**4:20**
